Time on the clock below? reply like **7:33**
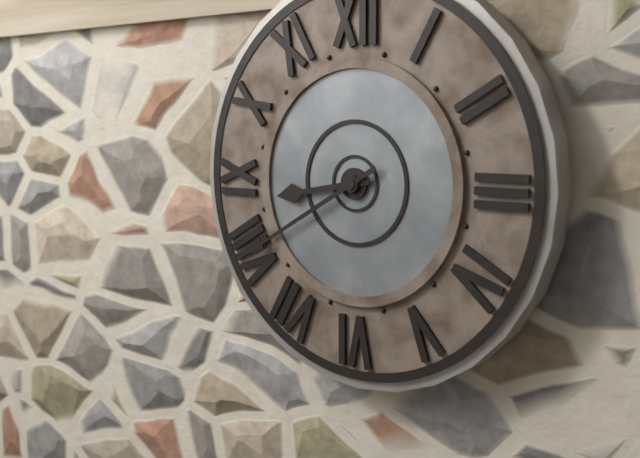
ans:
**8:40**
